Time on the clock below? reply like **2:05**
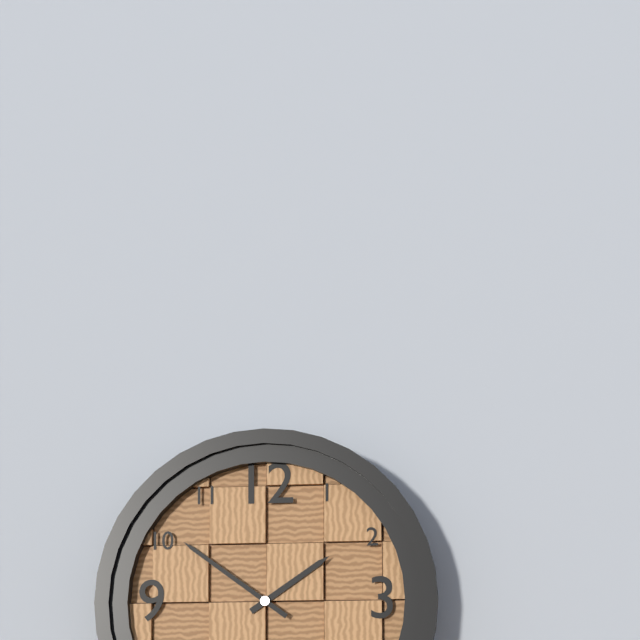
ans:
**1:51**
